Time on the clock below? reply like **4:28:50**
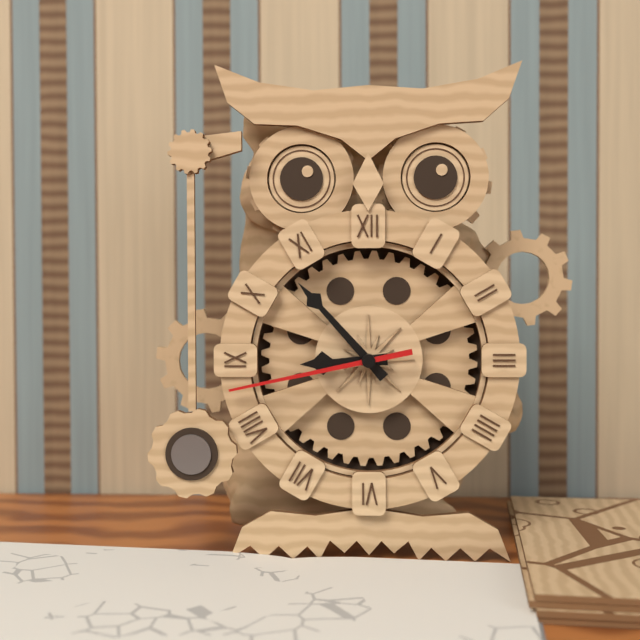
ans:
**8:53:43**
